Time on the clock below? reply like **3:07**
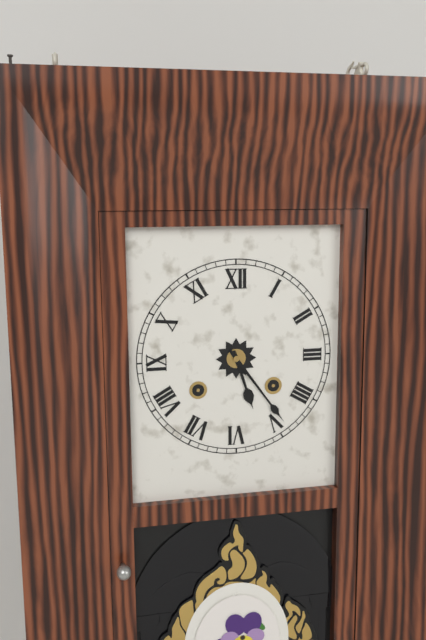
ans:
**5:24**
